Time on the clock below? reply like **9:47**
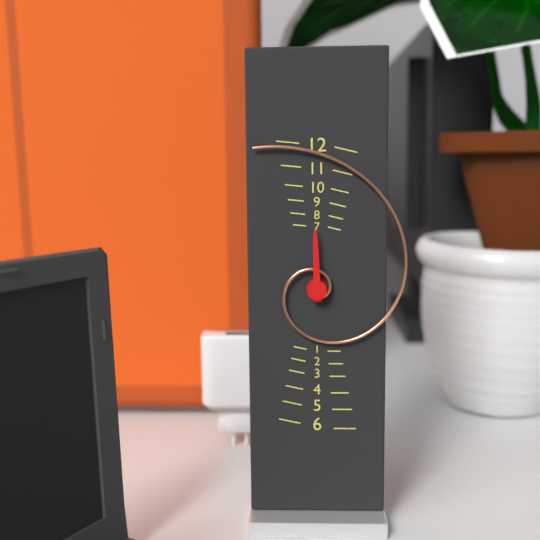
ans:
**11:56**
